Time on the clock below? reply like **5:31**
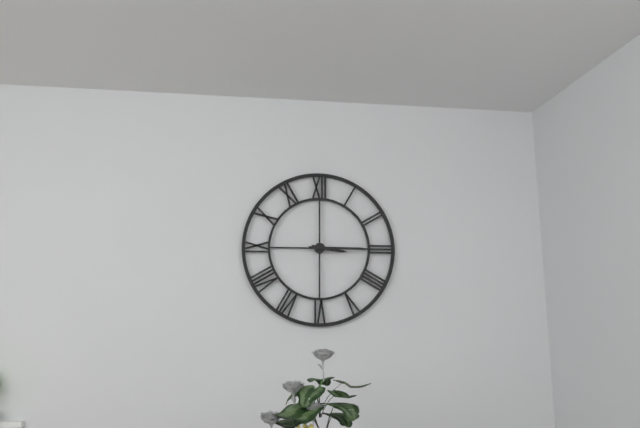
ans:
**3:15**
